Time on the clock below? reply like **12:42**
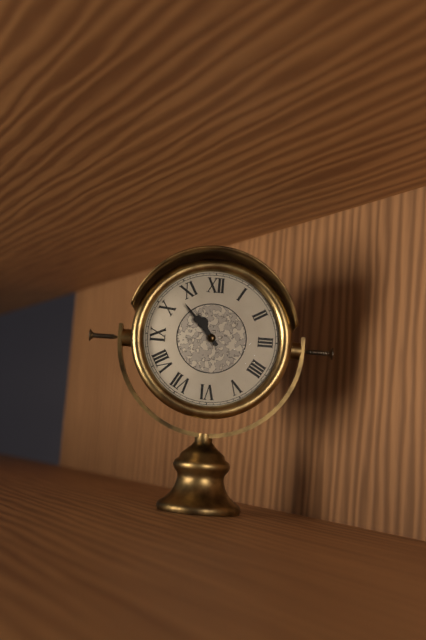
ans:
**10:53**
